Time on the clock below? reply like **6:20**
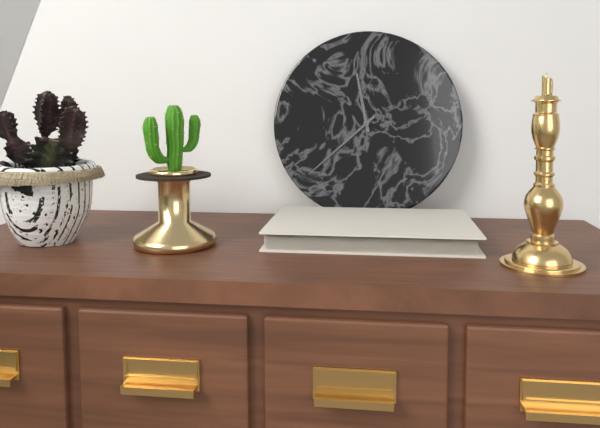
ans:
**11:38**
